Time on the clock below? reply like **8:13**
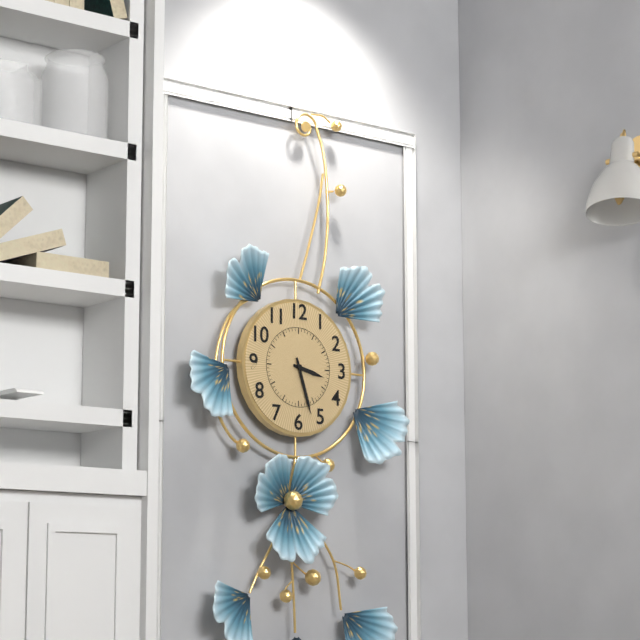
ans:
**3:27**
